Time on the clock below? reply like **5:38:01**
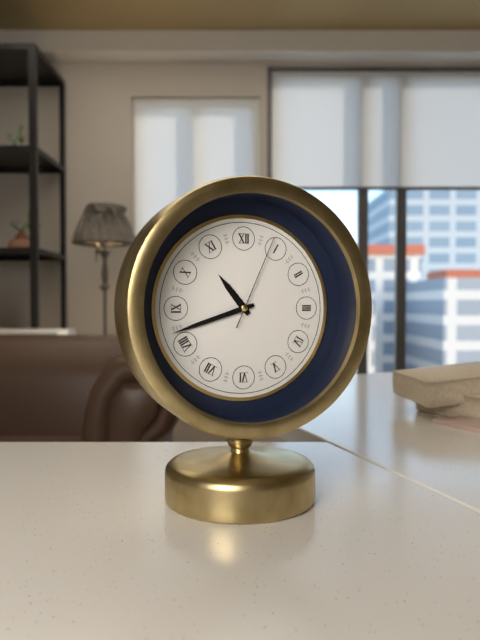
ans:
**10:42:04**
